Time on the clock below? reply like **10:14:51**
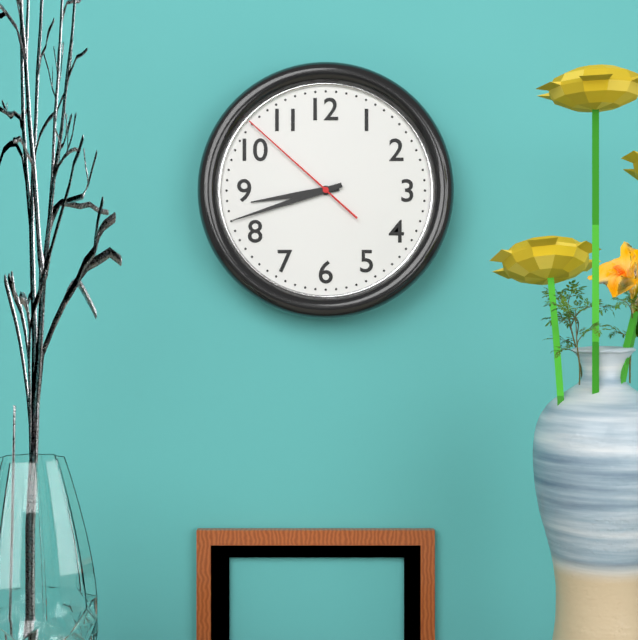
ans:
**8:42:52**
